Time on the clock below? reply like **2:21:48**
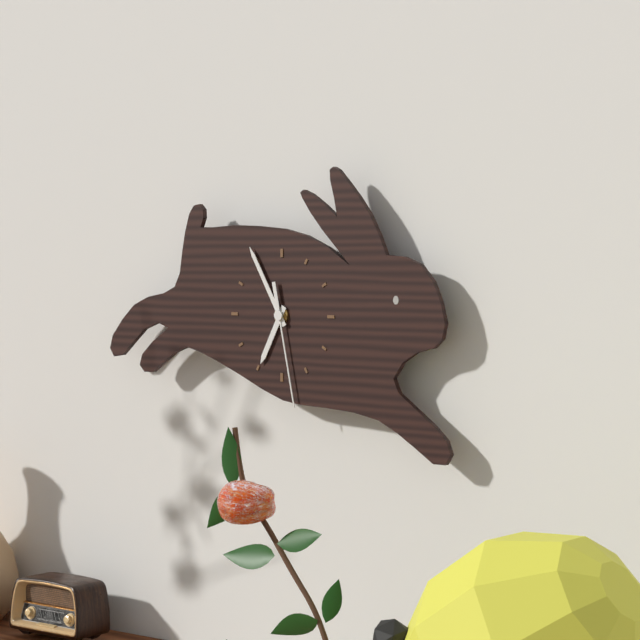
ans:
**6:55:28**
